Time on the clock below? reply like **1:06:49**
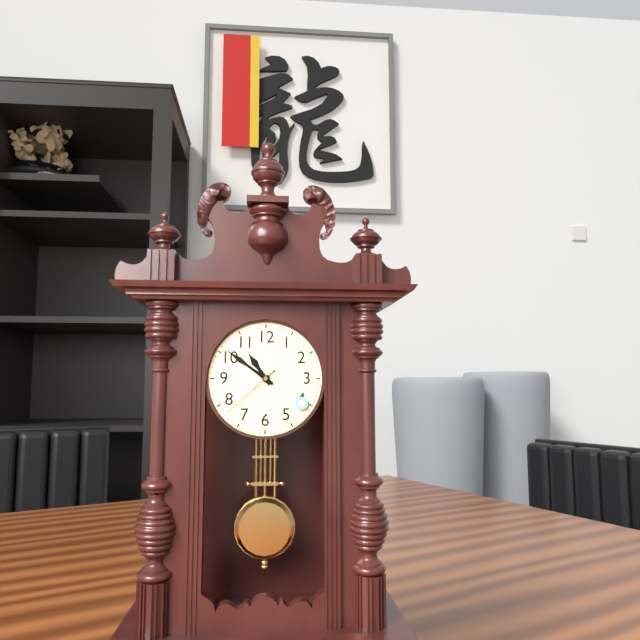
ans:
**10:51:38**
